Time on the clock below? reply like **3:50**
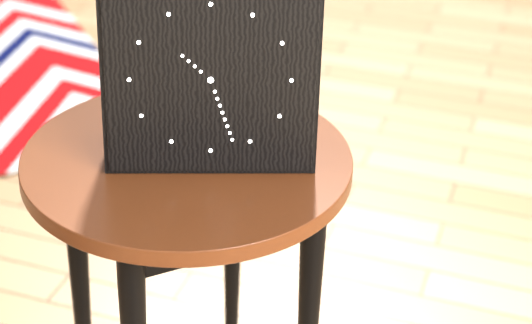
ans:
**10:27**
